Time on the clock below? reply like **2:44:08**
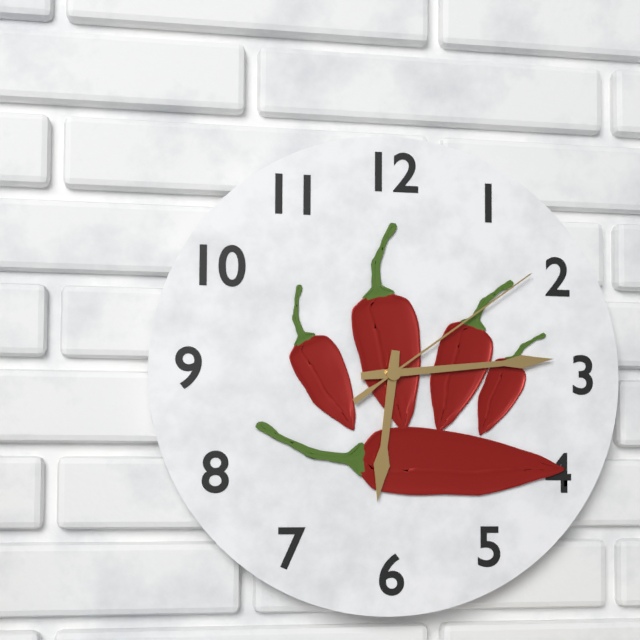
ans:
**6:14:09**
